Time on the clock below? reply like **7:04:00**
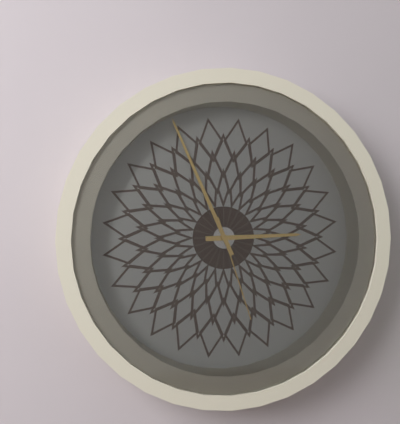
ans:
**2:56:27**
